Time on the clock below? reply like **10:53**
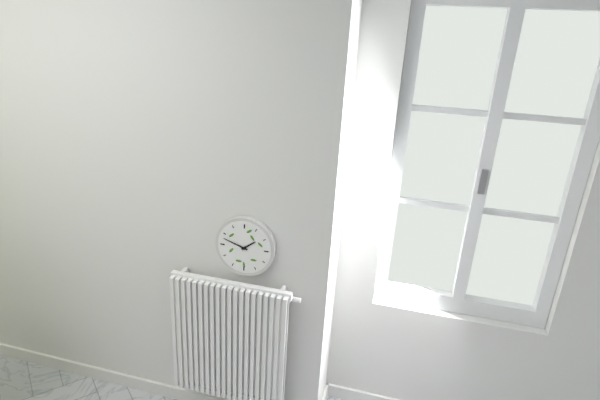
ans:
**1:48**
